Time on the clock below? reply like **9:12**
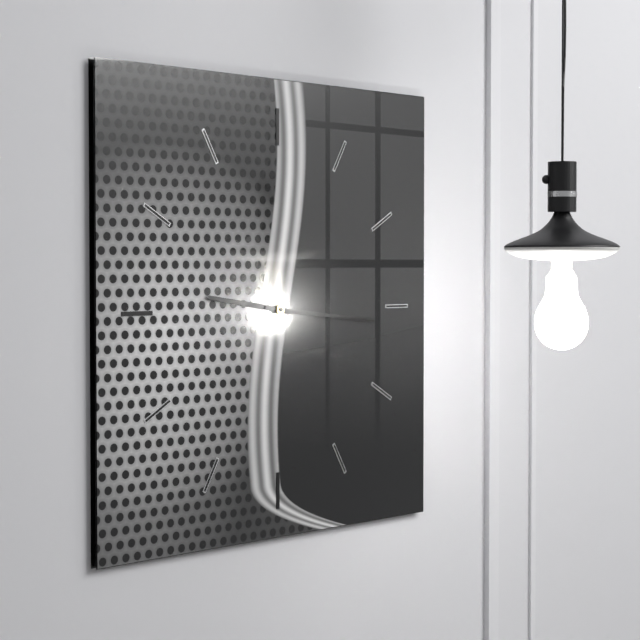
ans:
**9:16**
